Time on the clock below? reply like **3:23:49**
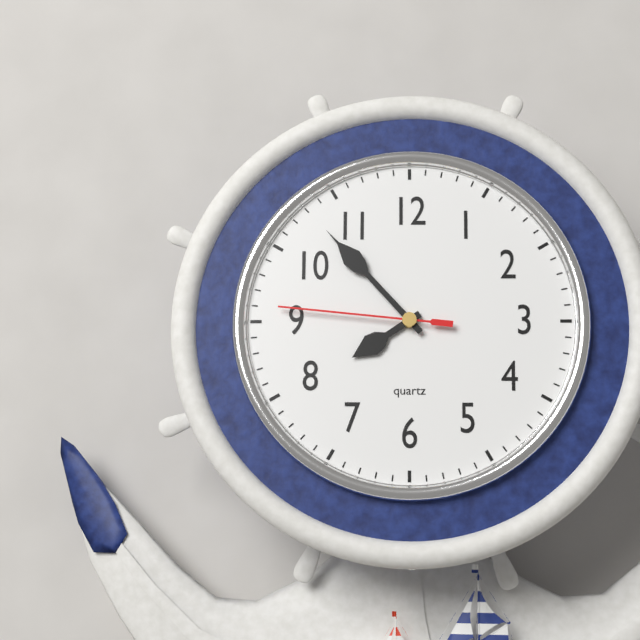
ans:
**7:53:46**
